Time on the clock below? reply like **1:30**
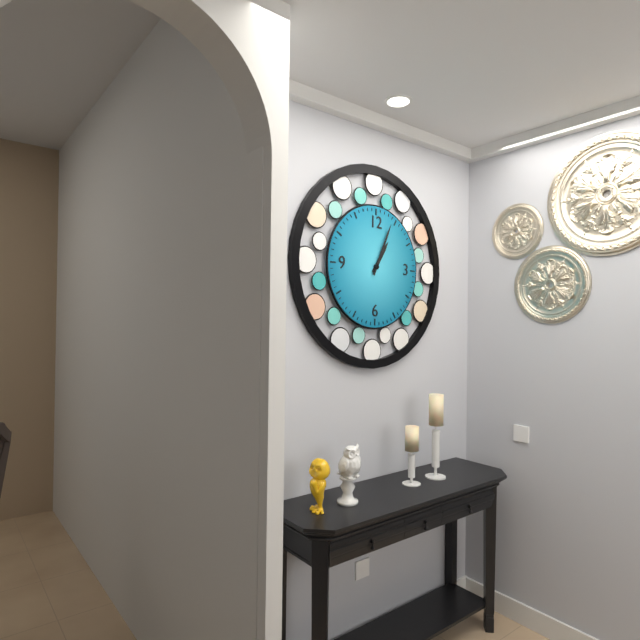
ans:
**1:04**
